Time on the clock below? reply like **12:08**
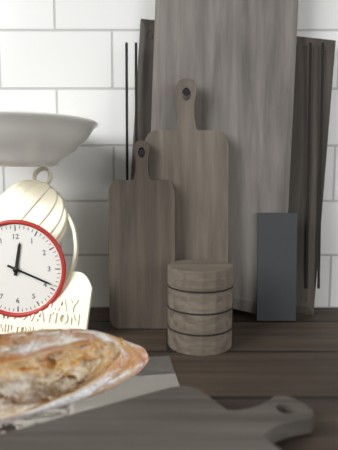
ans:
**12:19**
